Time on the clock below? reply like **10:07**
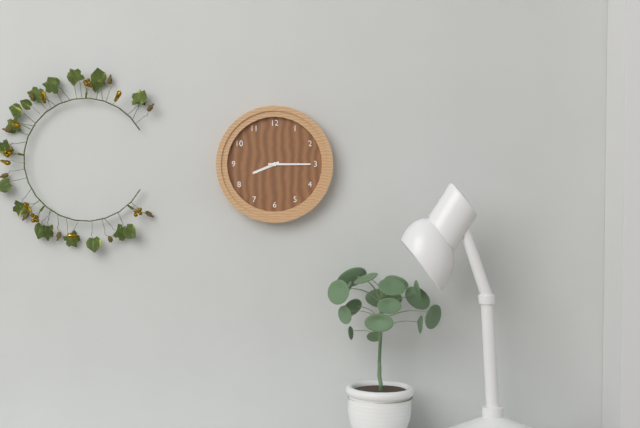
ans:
**8:15**
